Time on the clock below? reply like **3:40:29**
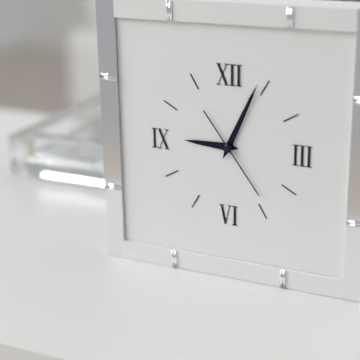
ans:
**9:04:24**
